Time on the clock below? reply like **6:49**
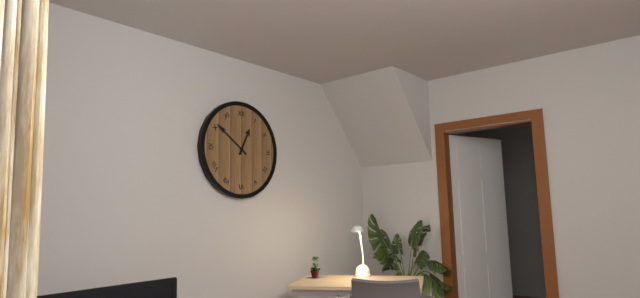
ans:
**12:51**
